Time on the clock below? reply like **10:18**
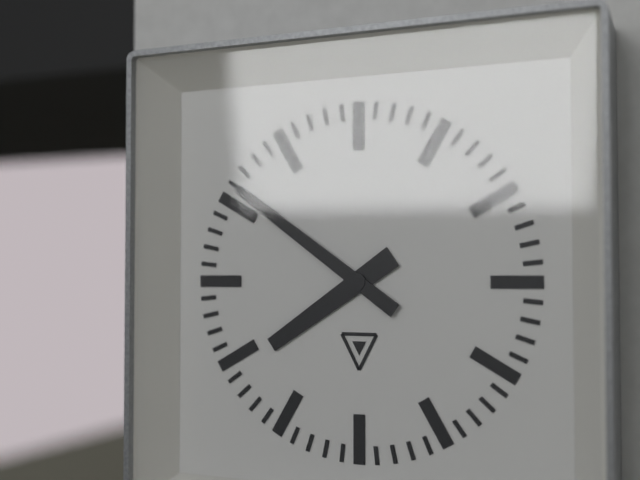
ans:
**7:51**
